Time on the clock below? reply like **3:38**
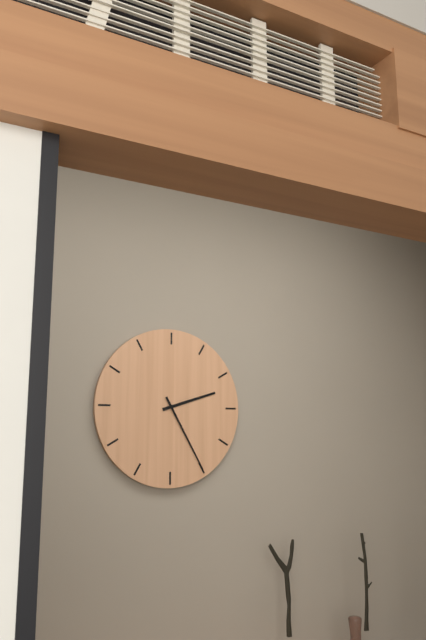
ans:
**2:25**
